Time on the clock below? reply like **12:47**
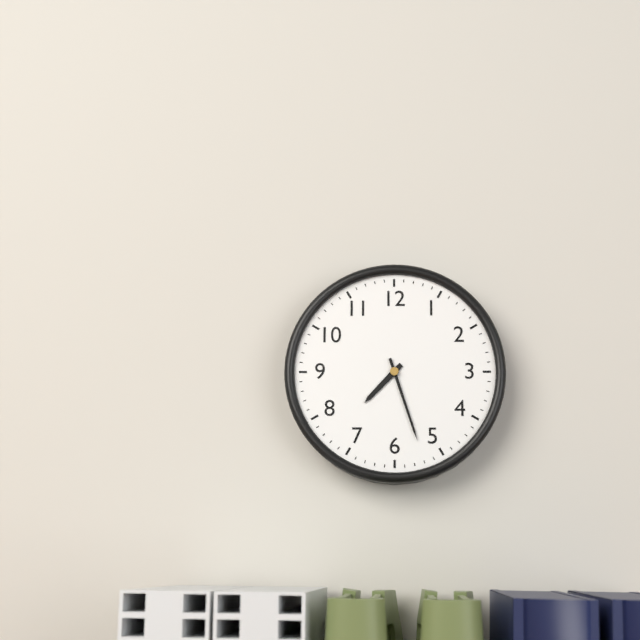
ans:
**7:27**
